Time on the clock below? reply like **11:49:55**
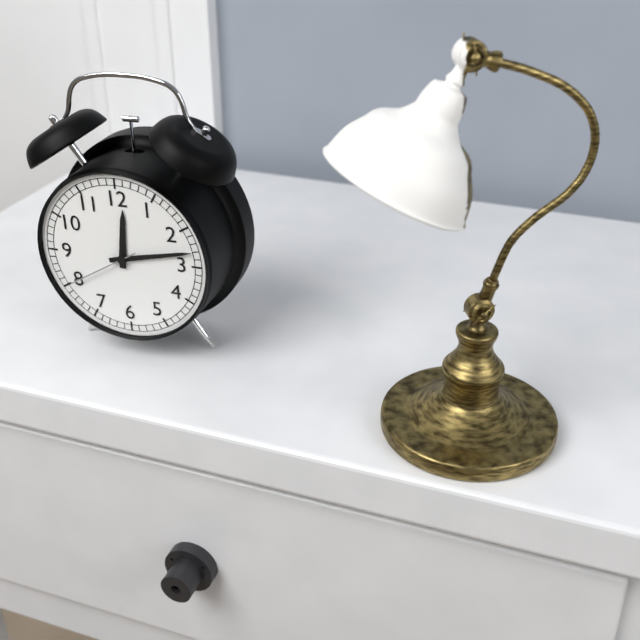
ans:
**12:13:40**
